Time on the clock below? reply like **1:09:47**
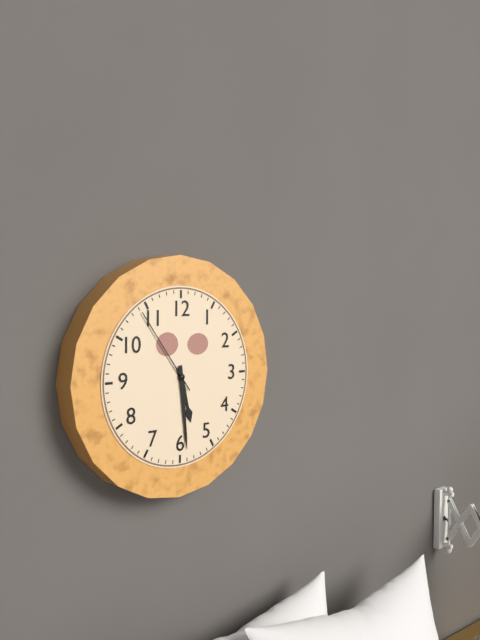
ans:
**5:29:54**
